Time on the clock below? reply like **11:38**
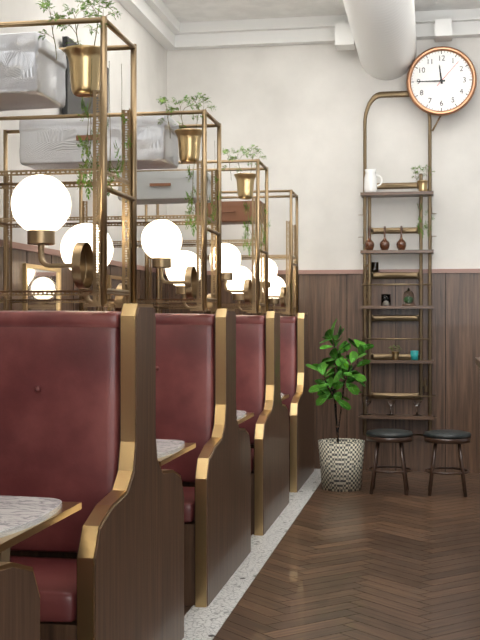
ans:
**11:45**
